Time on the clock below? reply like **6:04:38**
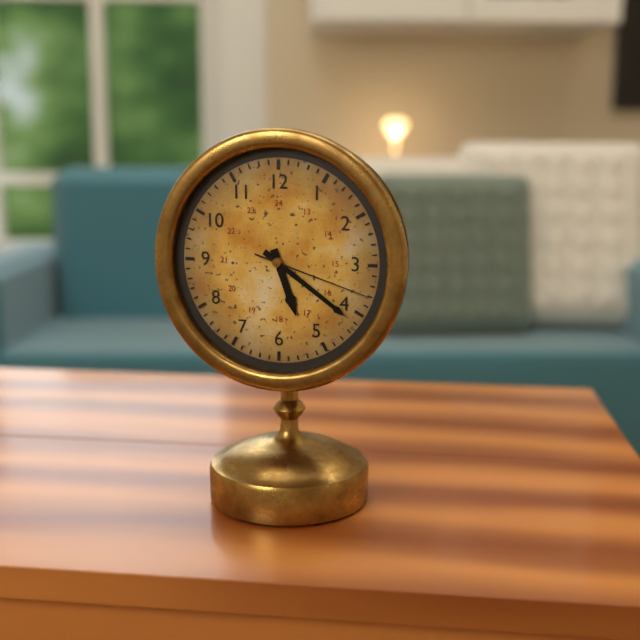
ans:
**5:21:18**
